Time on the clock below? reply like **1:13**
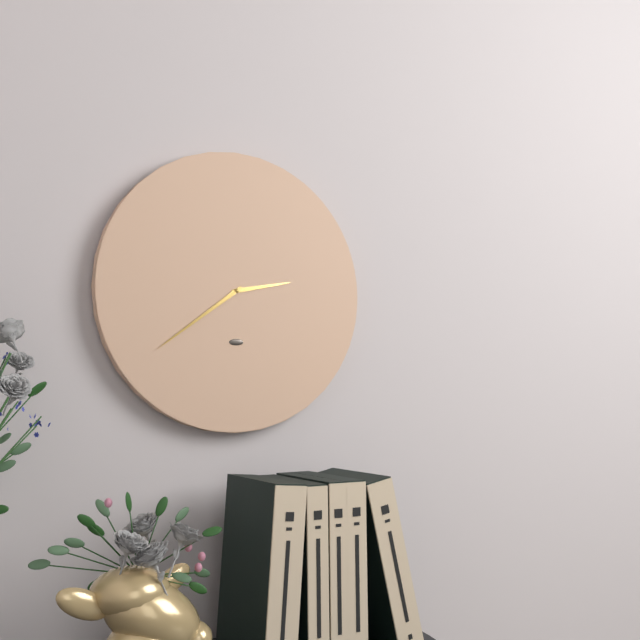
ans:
**2:39**
